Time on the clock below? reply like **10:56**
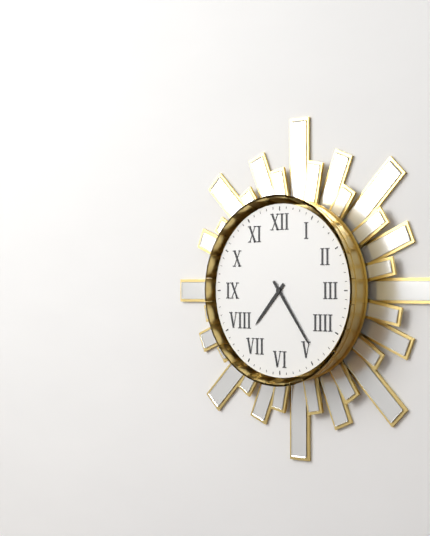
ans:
**7:24**
